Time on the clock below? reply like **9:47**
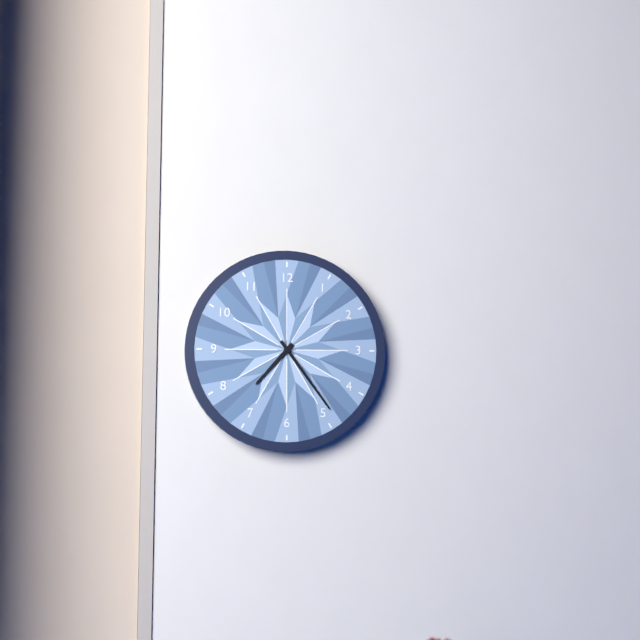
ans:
**7:24**
